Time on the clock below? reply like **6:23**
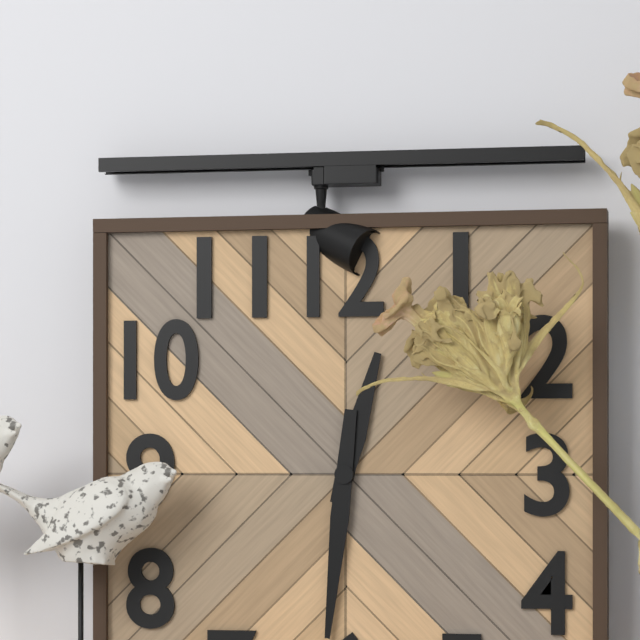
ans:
**12:31**
